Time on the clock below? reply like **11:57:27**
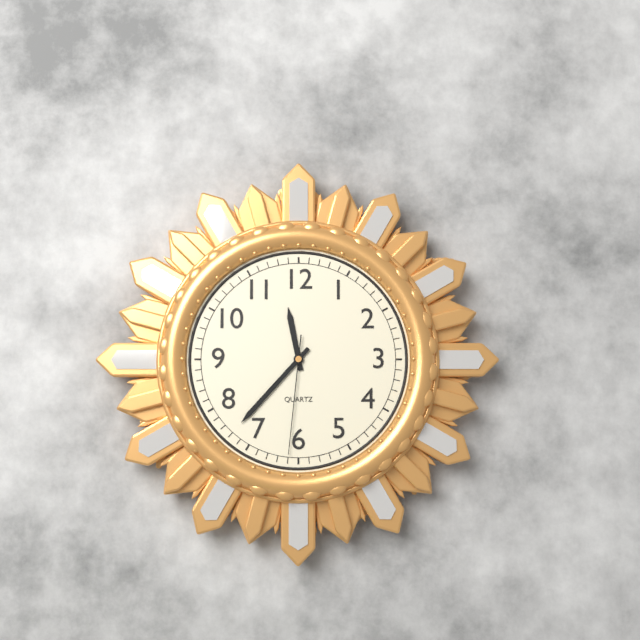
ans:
**11:37:31**
